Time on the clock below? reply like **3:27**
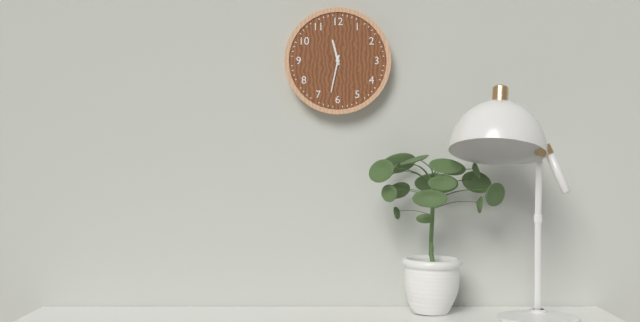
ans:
**11:32**
